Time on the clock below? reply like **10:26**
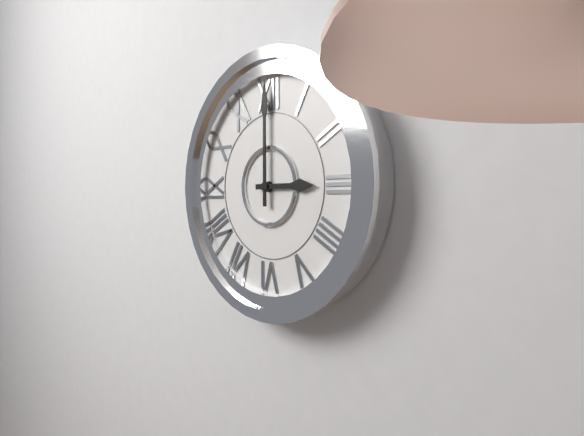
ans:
**3:00**
